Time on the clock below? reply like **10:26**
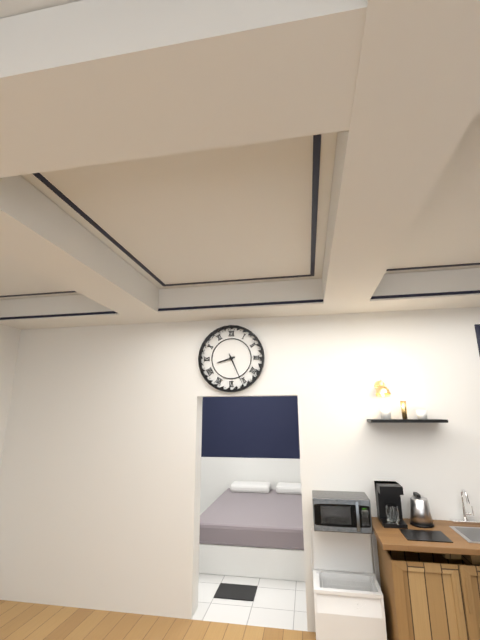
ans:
**8:26**
